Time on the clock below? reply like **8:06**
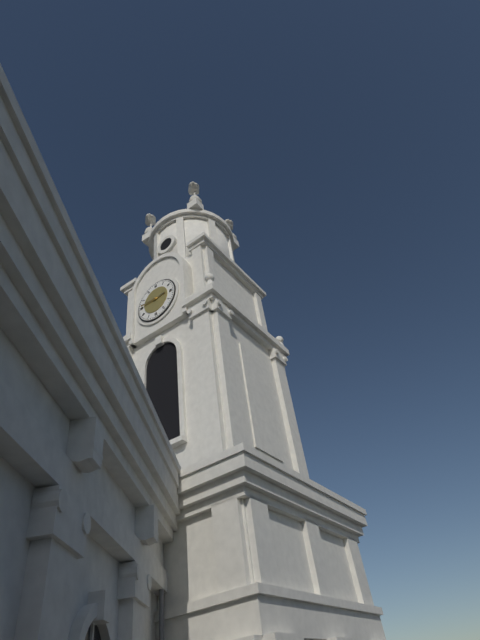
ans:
**2:46**
